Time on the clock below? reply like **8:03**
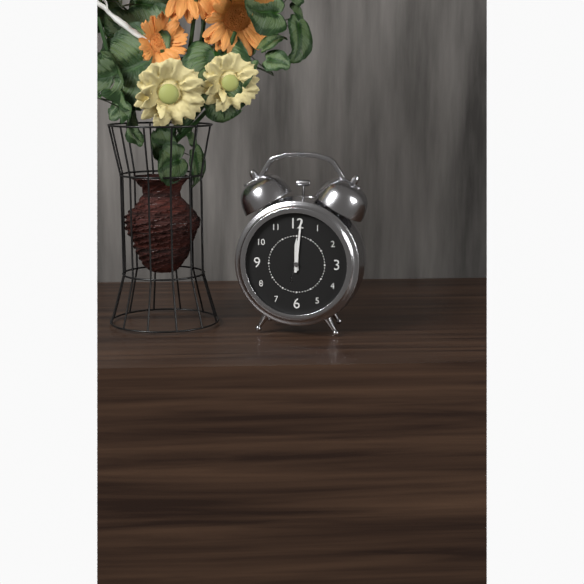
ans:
**12:01**
